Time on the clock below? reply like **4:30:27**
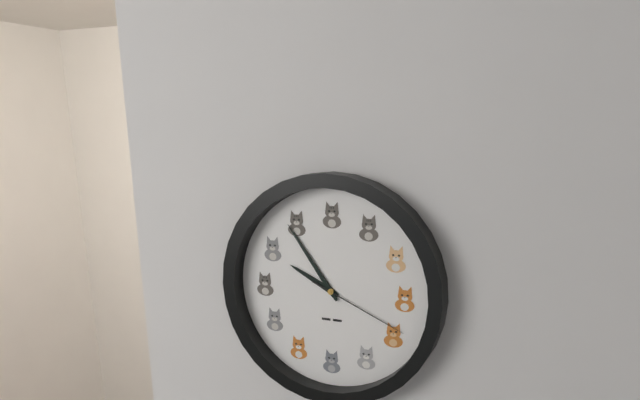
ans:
**9:54:19**
